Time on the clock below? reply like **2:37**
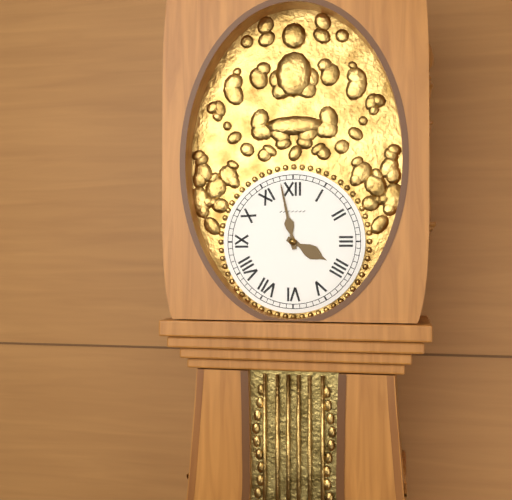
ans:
**3:58**
